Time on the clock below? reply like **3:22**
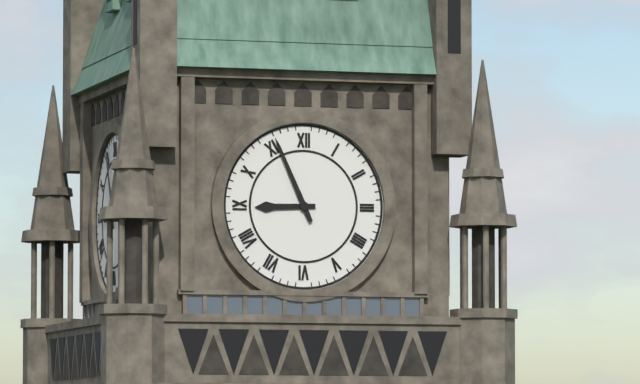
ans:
**8:56**
